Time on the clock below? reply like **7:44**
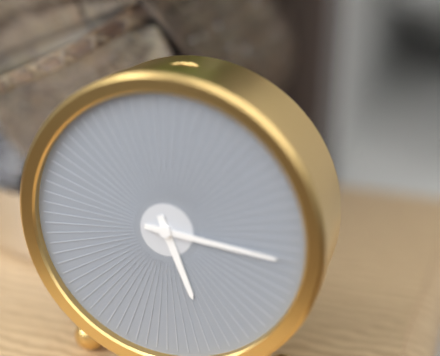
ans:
**5:16**
